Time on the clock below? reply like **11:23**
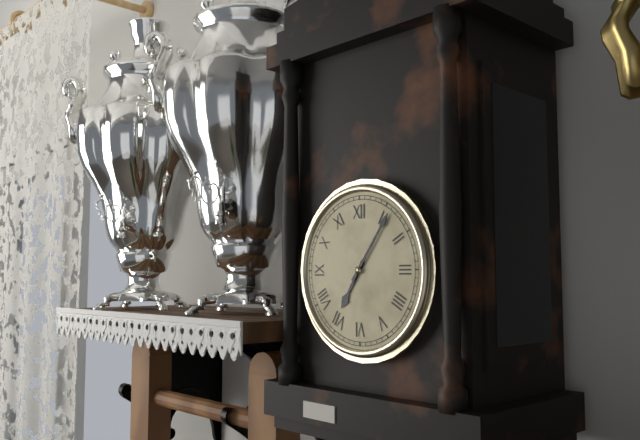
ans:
**7:06**
